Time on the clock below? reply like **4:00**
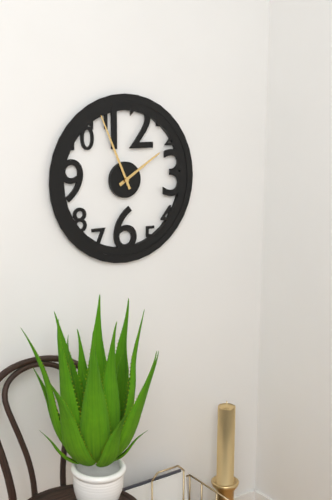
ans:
**1:56**
